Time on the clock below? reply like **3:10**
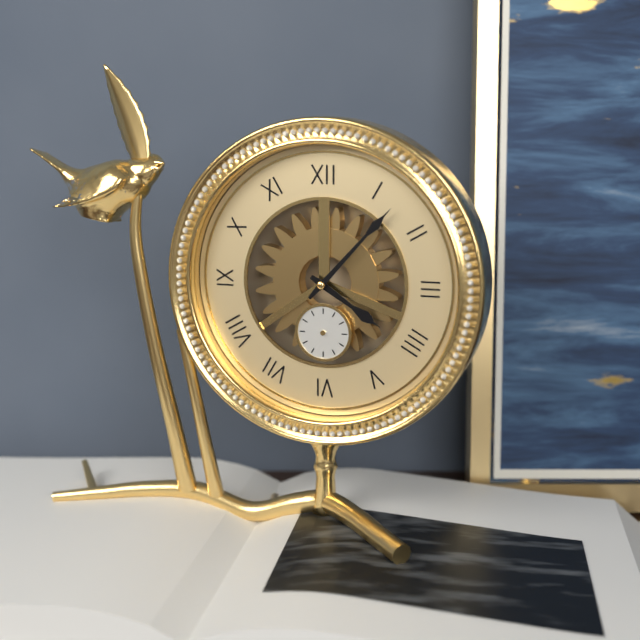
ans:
**4:07**
